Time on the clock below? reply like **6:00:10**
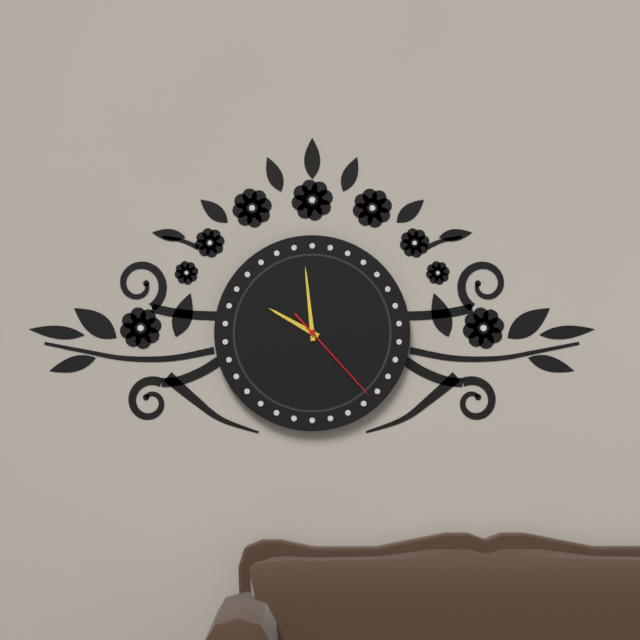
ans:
**9:59:23**
